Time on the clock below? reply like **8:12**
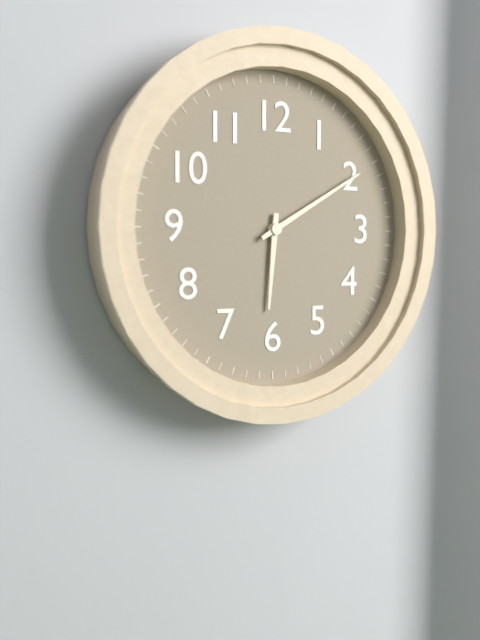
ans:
**6:10**
